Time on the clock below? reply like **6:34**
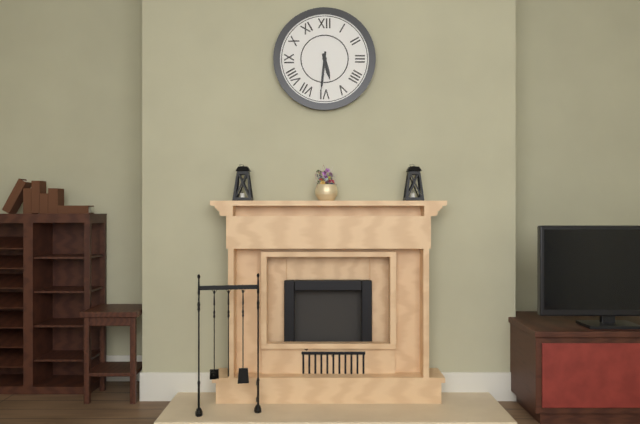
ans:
**5:31**
